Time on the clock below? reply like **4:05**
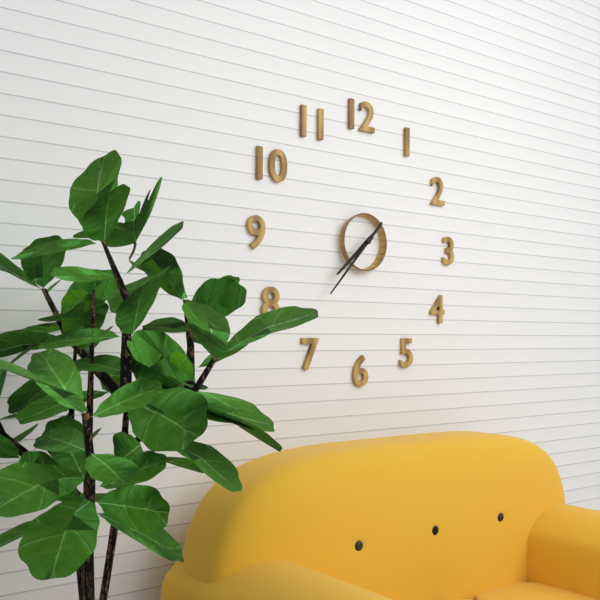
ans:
**7:37**
